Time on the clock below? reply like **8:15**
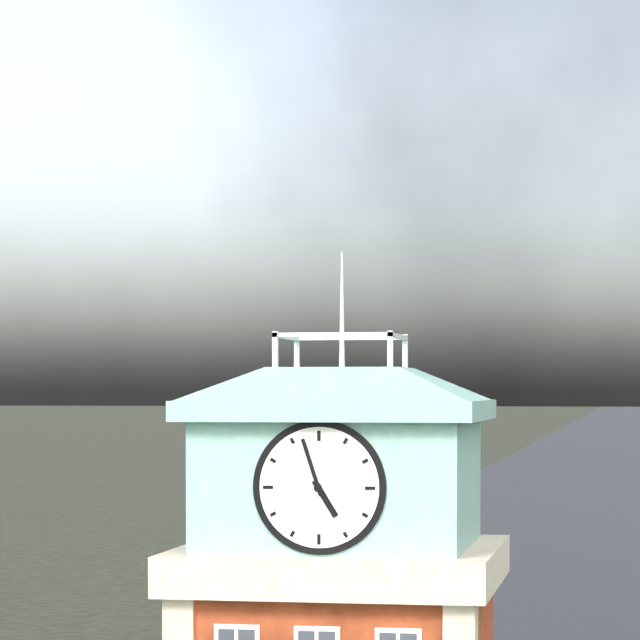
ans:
**4:57**
